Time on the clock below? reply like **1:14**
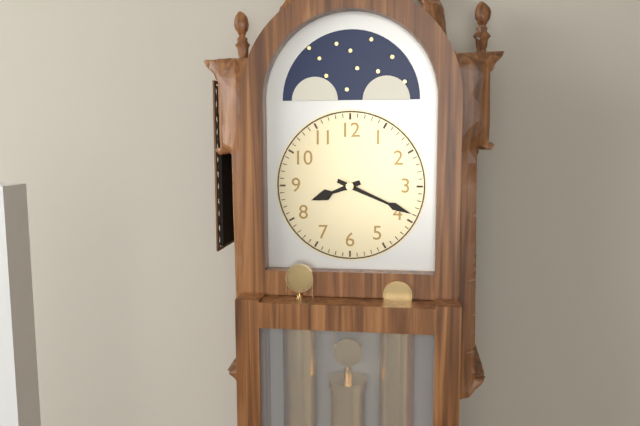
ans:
**8:19**
